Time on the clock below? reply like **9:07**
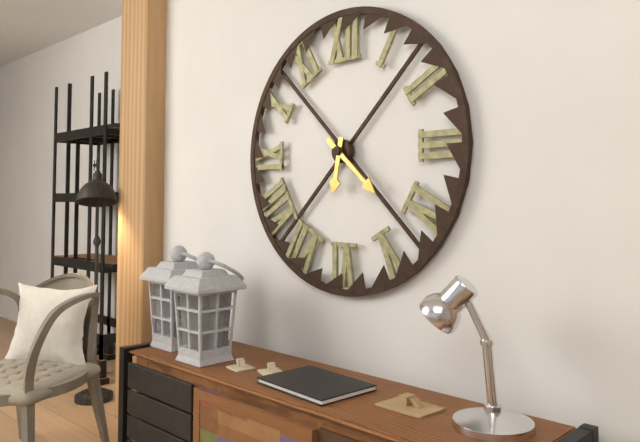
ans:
**6:22**
